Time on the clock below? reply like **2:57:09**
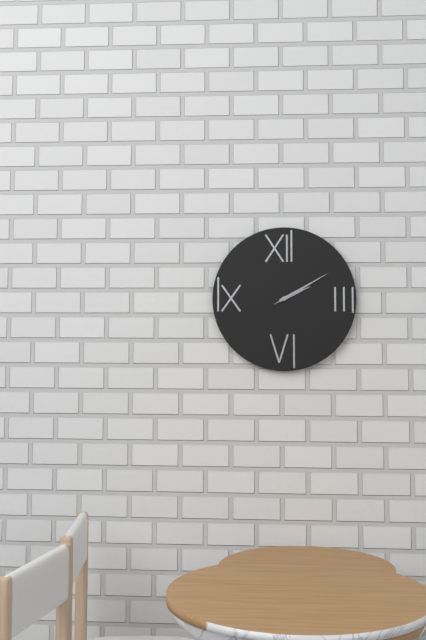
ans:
**2:10:10**
